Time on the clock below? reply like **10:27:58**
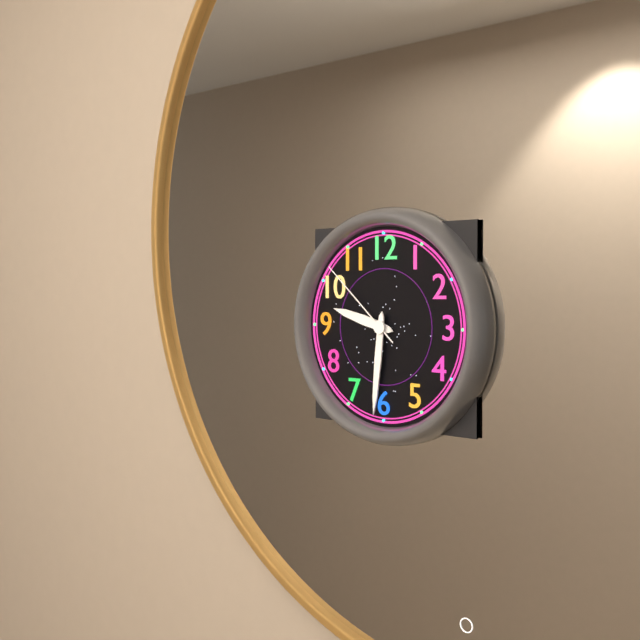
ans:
**9:31:52**
